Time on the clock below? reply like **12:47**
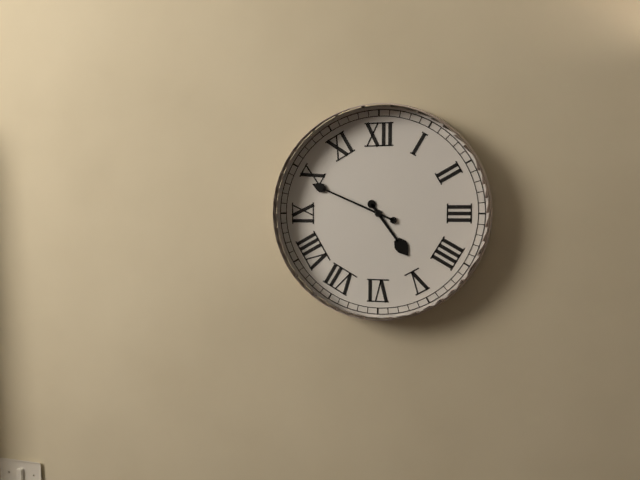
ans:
**4:49**
